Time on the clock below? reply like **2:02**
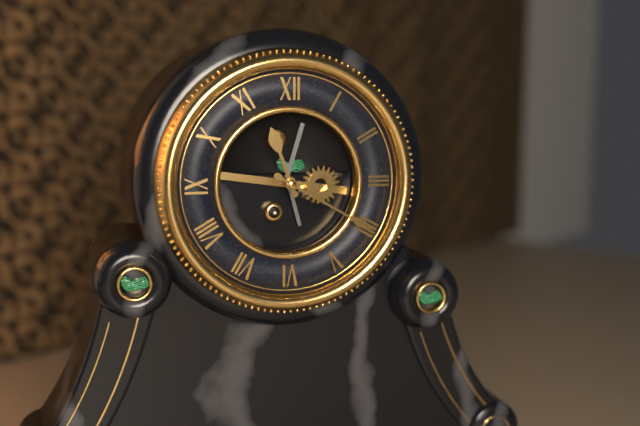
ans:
**11:20**
